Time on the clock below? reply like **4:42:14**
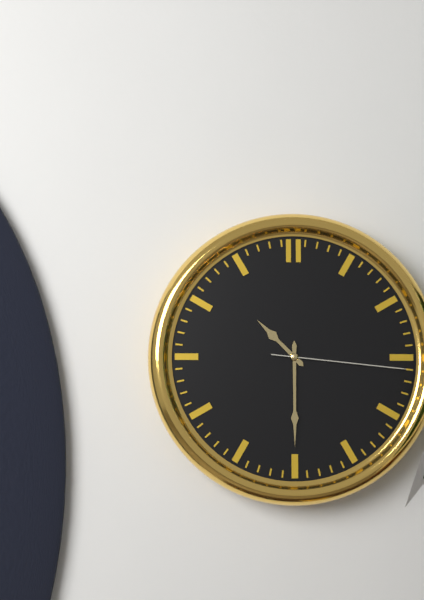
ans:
**10:30:16**
